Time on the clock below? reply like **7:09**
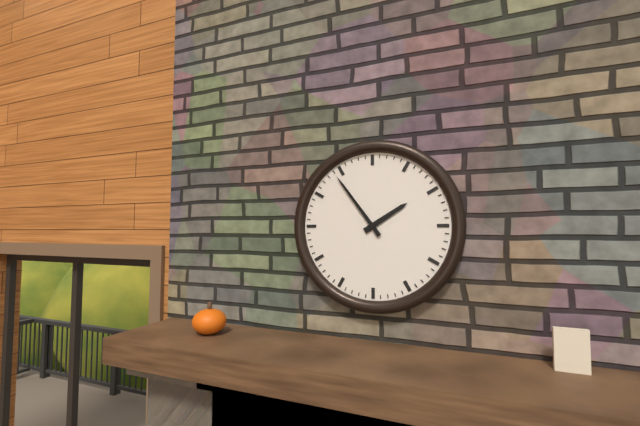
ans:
**1:54**
